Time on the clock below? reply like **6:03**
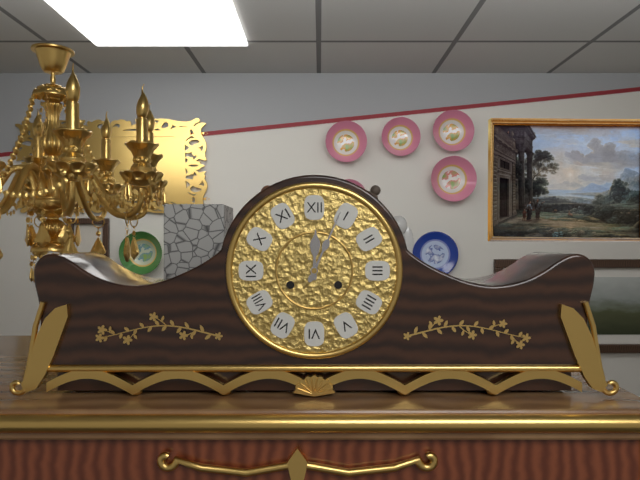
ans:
**12:04**
